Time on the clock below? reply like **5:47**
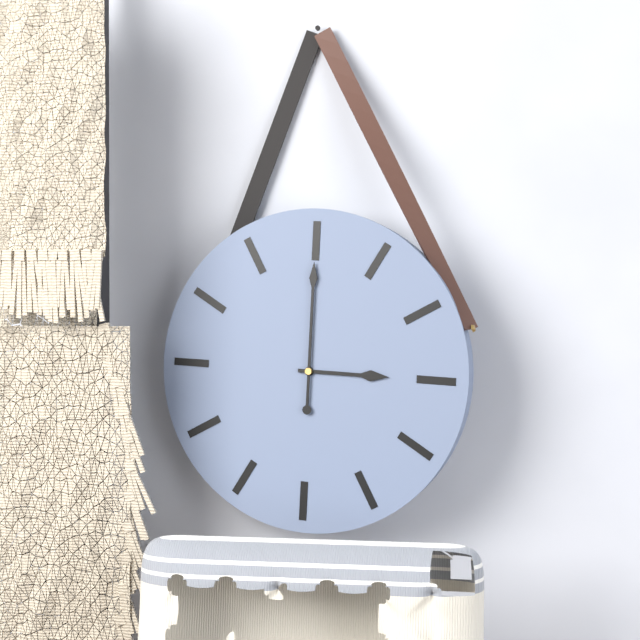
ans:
**3:00**
